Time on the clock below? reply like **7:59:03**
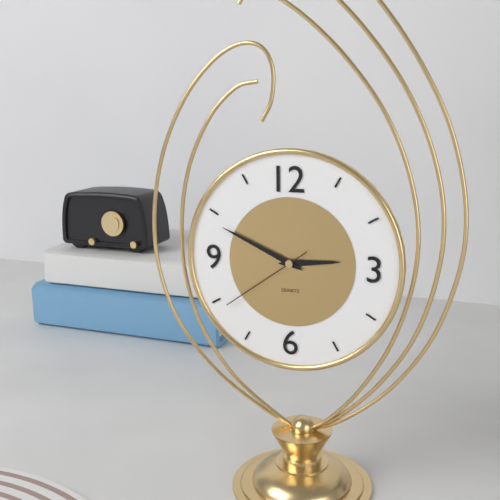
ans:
**2:49:39**
